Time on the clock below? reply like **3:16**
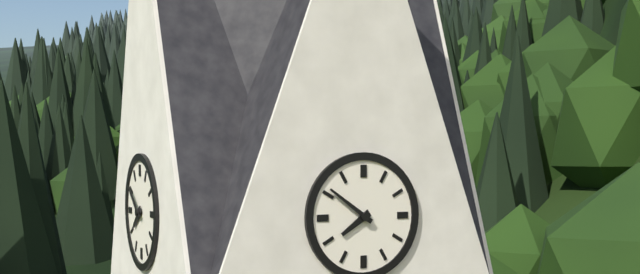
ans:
**7:51**
